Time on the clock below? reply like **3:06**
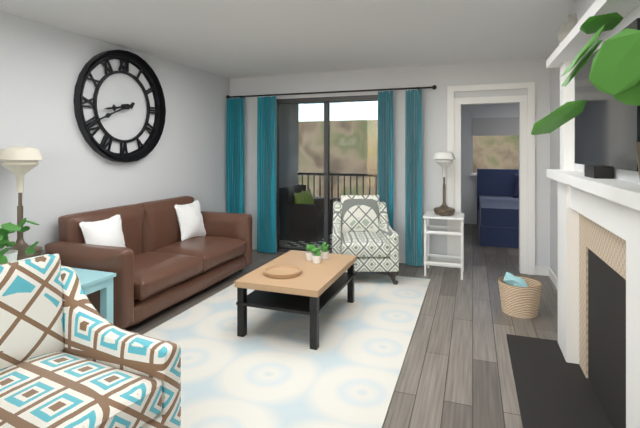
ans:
**8:41**
